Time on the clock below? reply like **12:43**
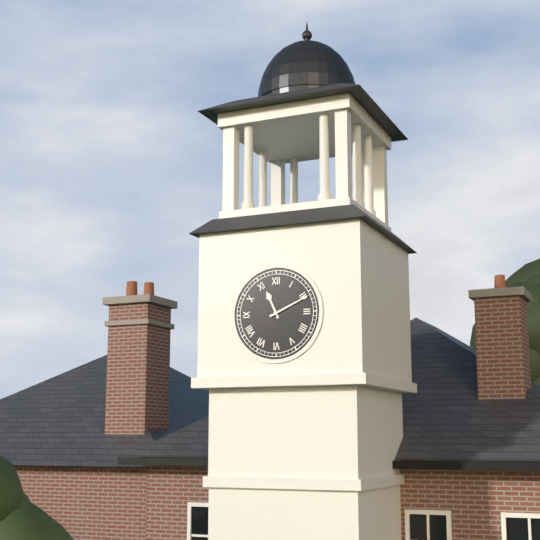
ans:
**11:11**
